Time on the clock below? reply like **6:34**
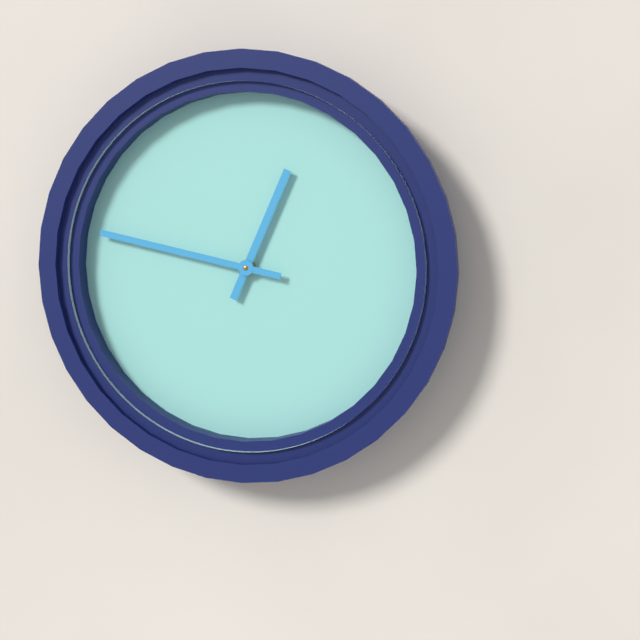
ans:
**12:47**
